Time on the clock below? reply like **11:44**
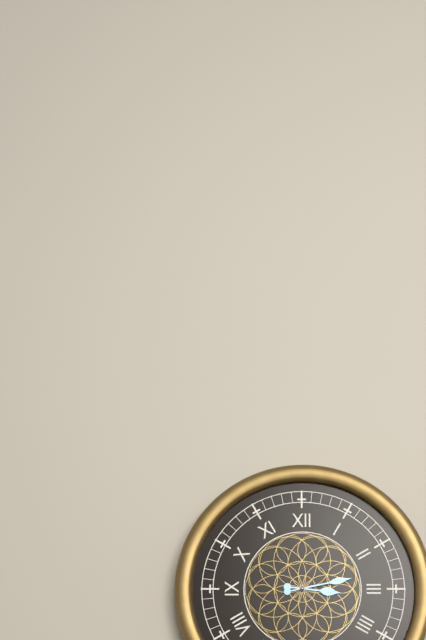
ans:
**3:13**
